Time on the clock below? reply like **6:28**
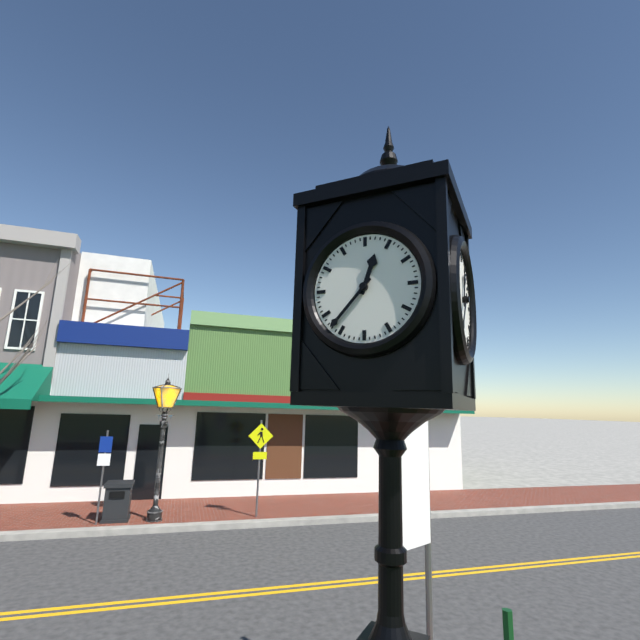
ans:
**12:37**
